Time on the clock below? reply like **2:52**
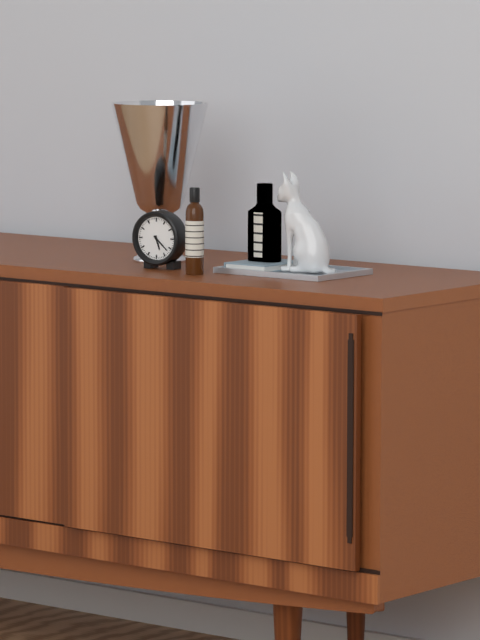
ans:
**5:22**
